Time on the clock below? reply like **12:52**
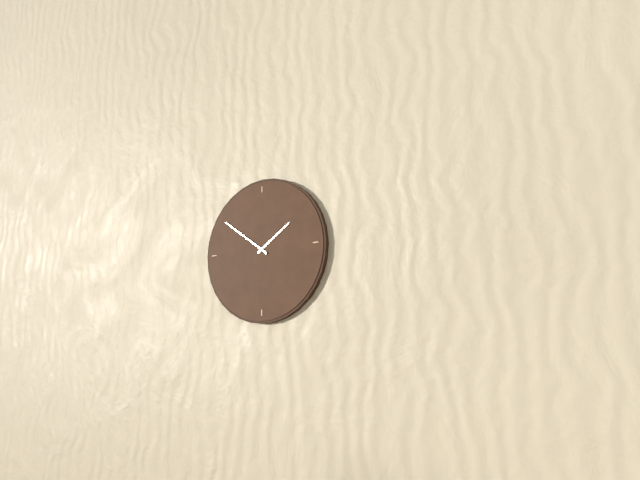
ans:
**1:51**
